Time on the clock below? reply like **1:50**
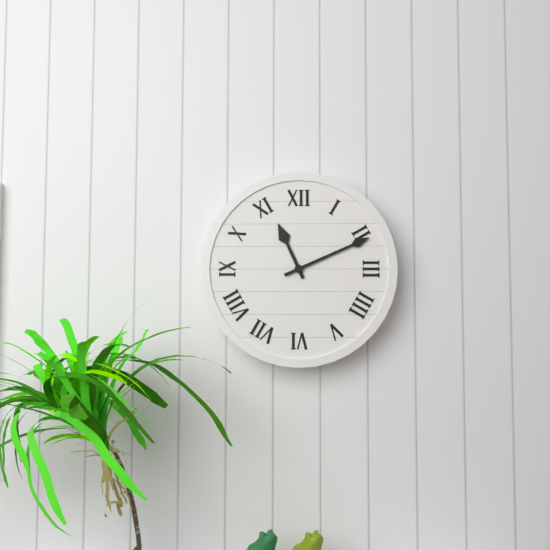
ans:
**11:11**
